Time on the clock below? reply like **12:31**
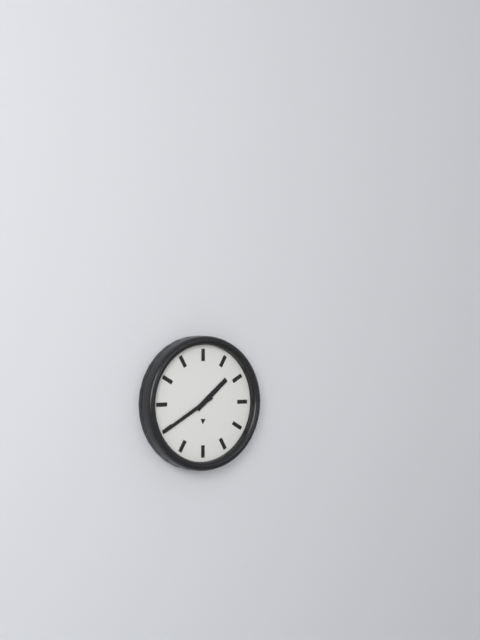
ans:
**1:40**
